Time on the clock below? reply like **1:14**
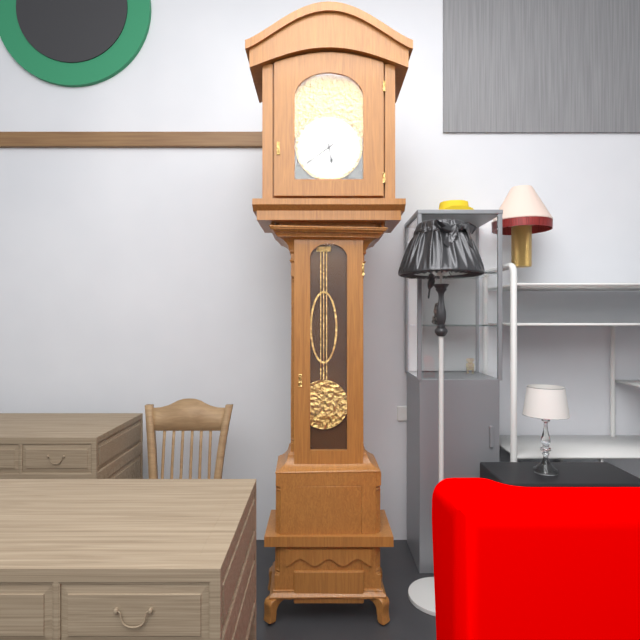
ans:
**5:39**
